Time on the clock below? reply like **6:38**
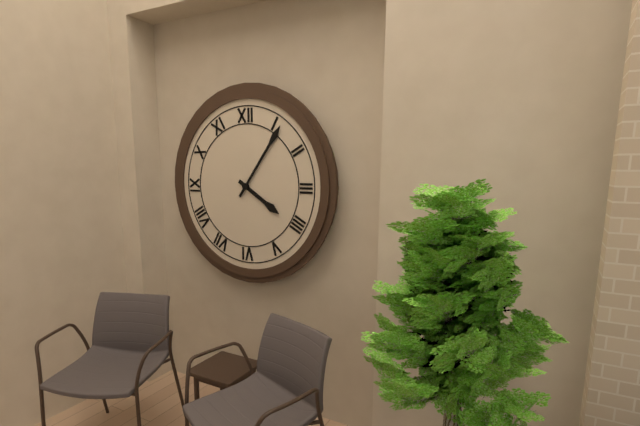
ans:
**4:06**
